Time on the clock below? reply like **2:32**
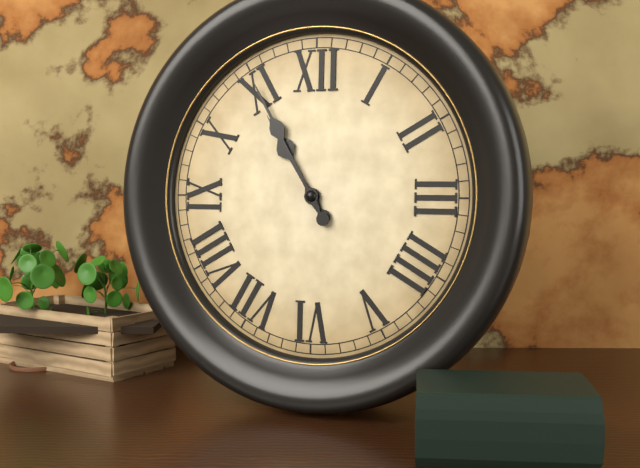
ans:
**10:55**
